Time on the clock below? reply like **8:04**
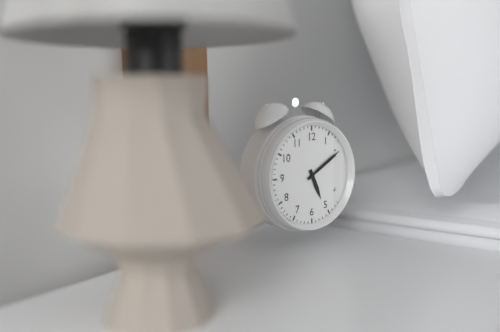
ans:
**5:10**
